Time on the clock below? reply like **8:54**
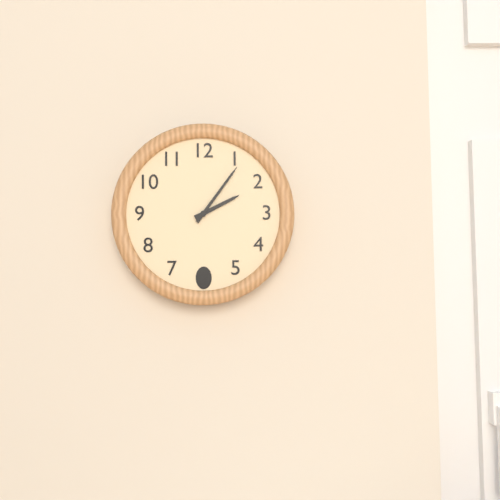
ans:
**2:06**
